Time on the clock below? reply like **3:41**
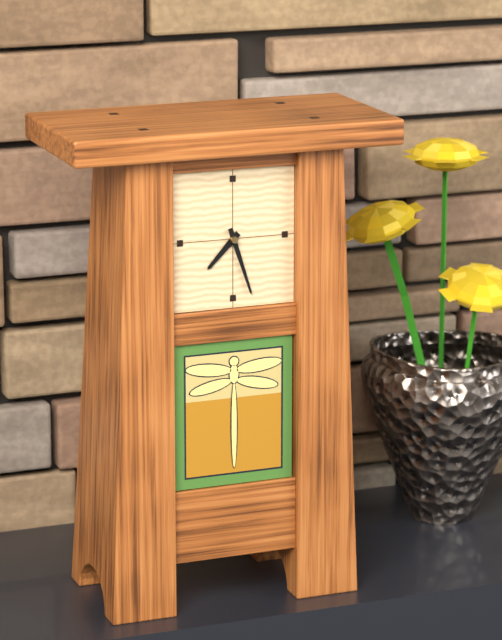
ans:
**7:27**
